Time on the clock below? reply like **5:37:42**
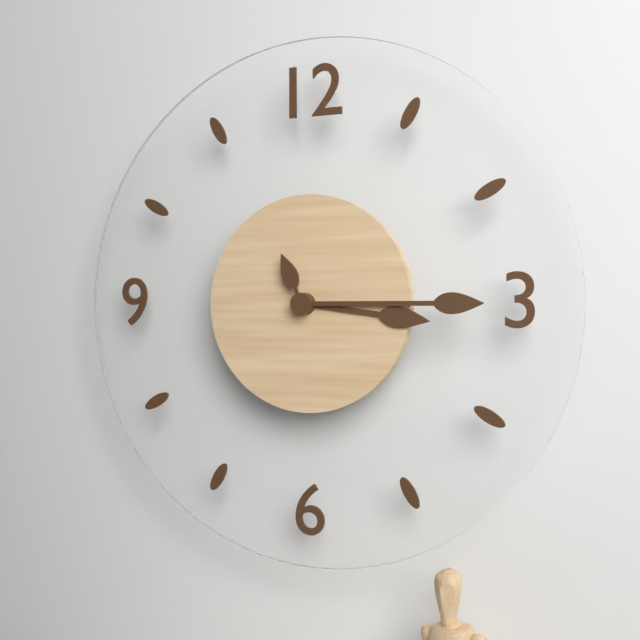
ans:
**3:15:56**
